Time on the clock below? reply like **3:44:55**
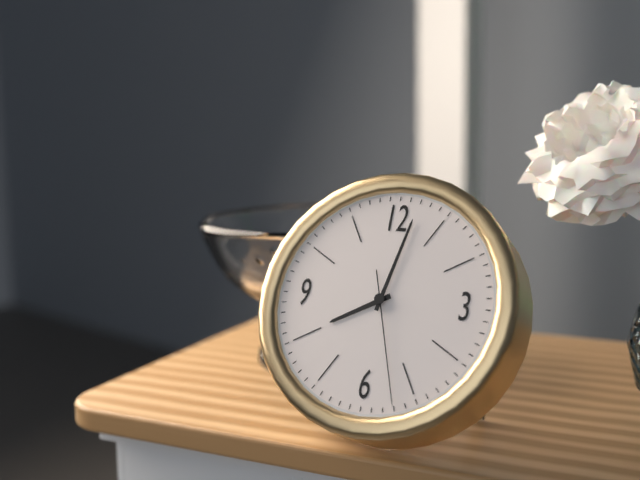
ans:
**8:02:27**
